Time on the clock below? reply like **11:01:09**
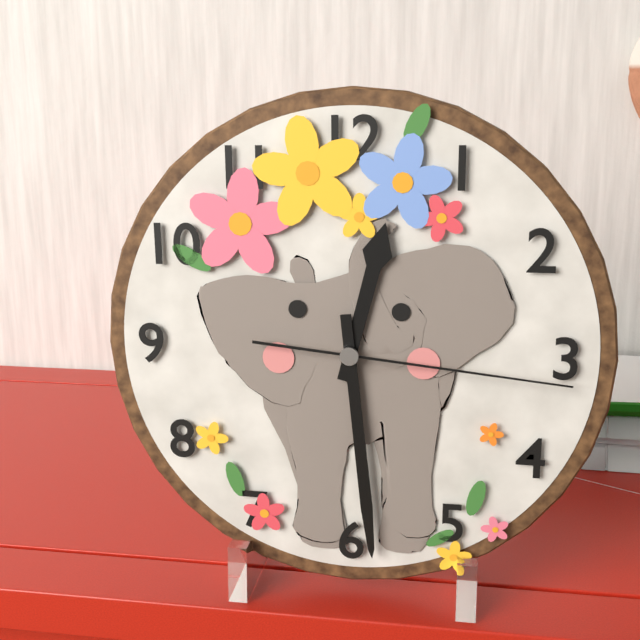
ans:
**12:29:16**
